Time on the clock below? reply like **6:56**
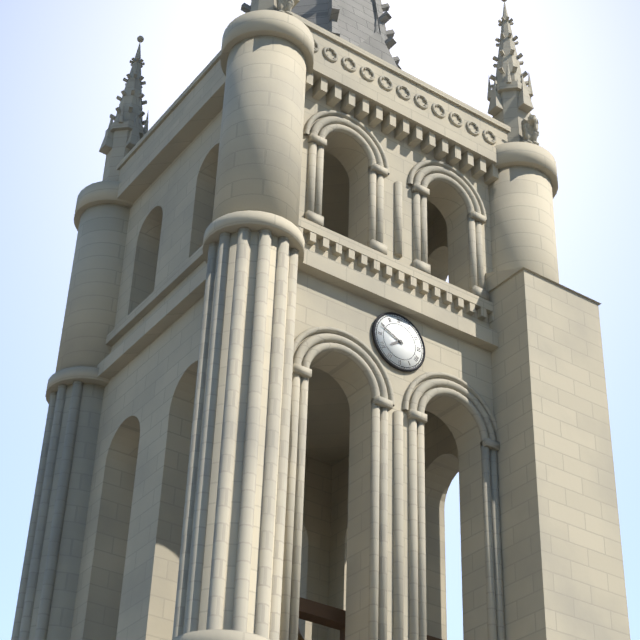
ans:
**7:49**
